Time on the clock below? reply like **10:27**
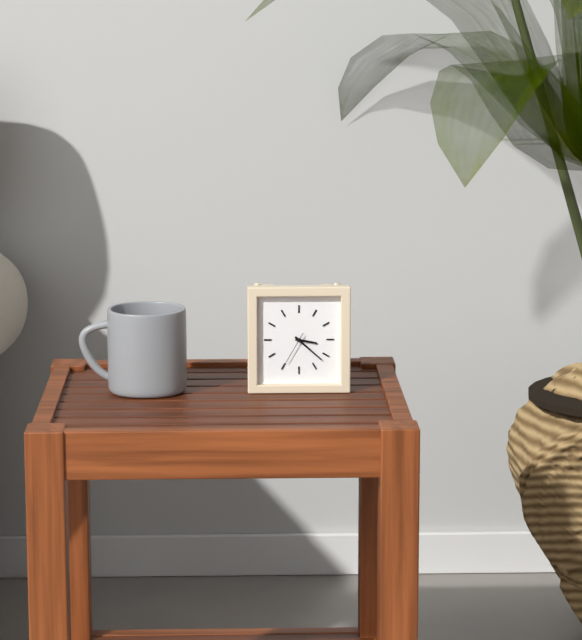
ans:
**3:22**
